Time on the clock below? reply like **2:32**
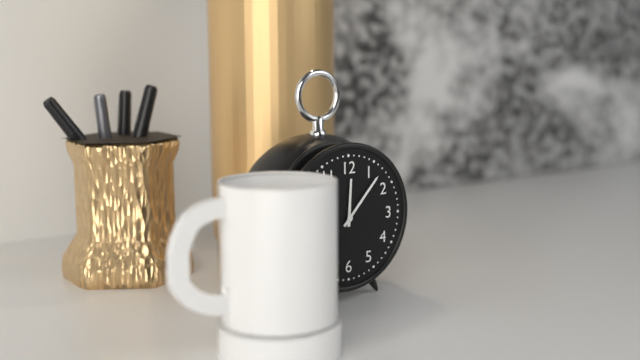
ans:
**12:07**
